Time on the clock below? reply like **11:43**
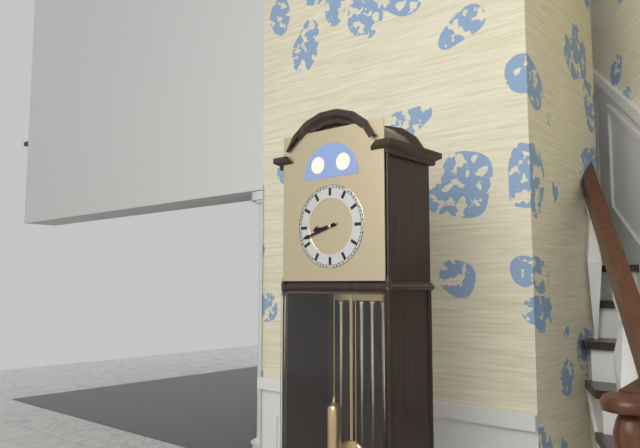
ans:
**8:42**
